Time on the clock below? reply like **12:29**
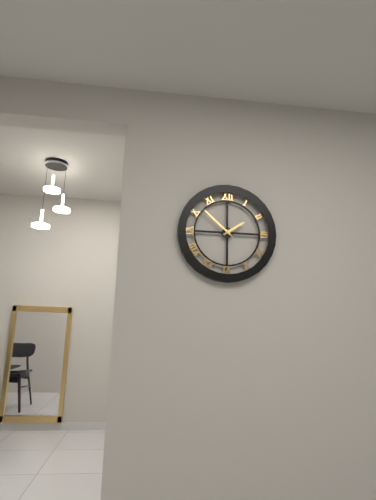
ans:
**1:52**
